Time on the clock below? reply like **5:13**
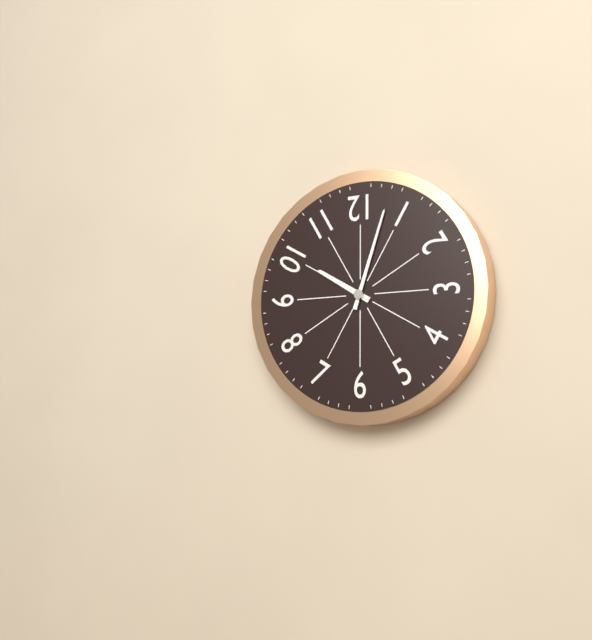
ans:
**10:03**
